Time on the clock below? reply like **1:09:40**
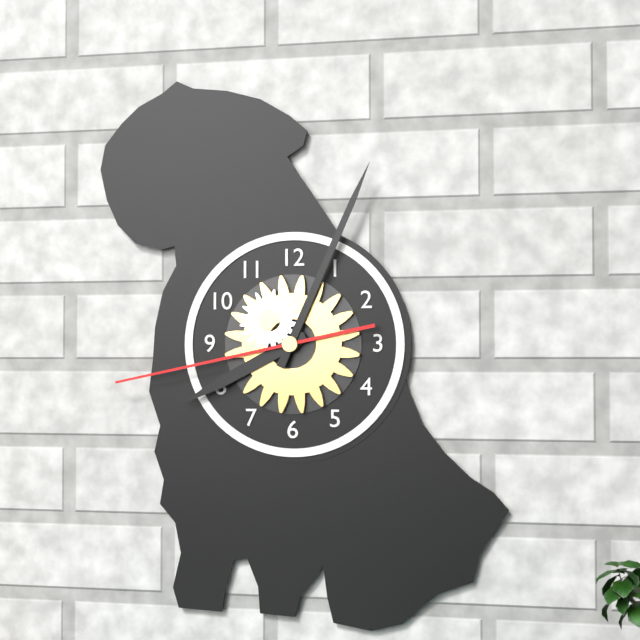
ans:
**8:04:43**
